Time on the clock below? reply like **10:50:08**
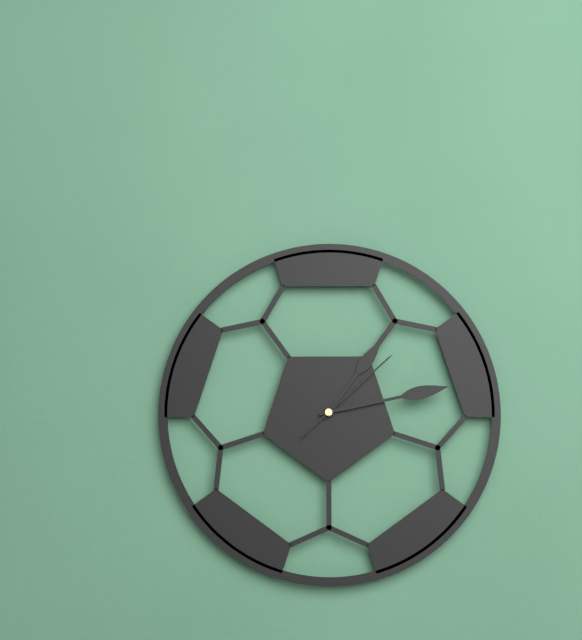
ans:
**1:13:08**
